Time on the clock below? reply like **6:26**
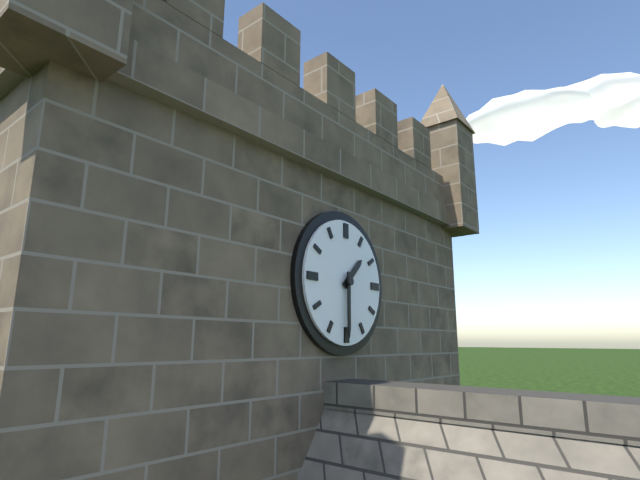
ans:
**1:30**
